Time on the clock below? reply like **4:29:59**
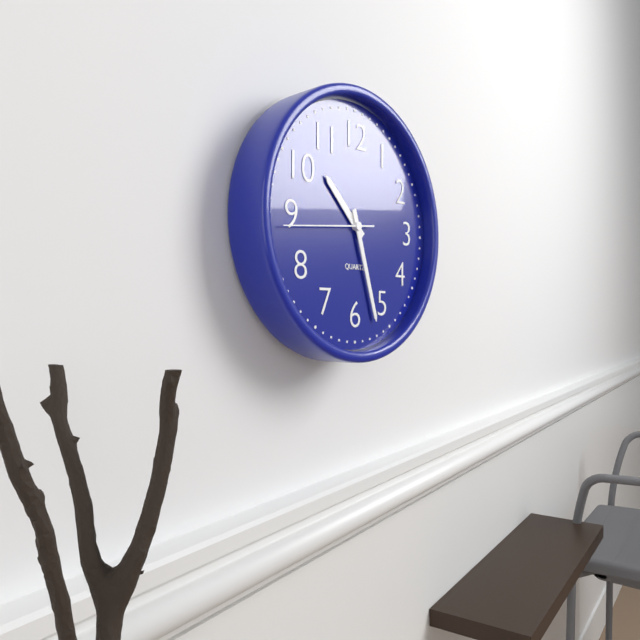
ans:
**10:27:44**
